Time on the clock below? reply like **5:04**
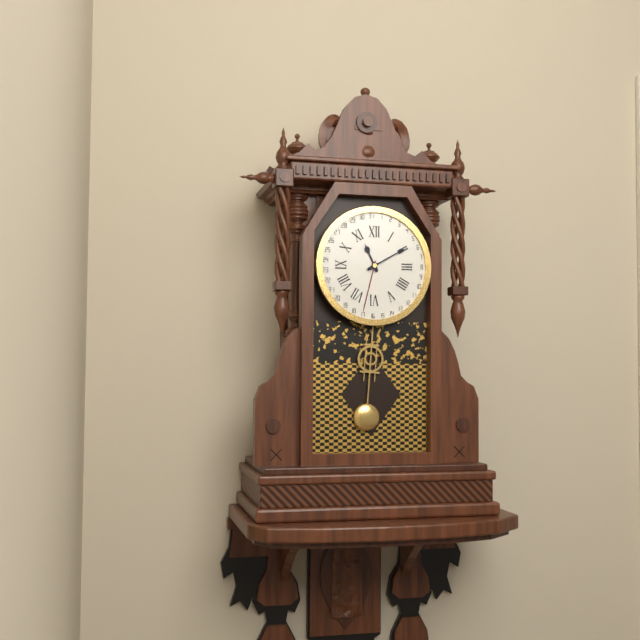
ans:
**11:10**
